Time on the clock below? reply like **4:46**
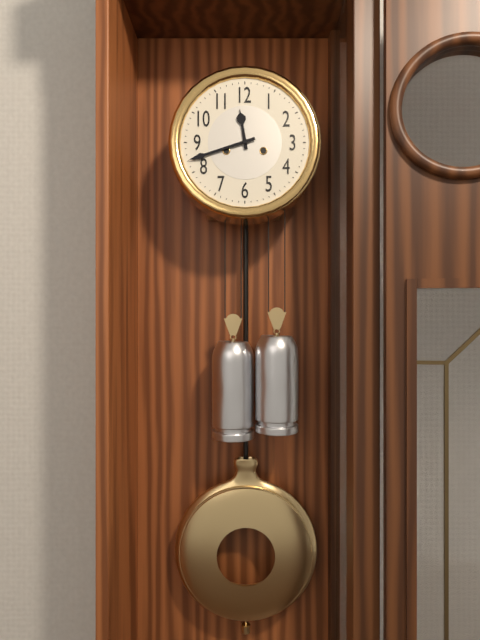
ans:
**11:42**
